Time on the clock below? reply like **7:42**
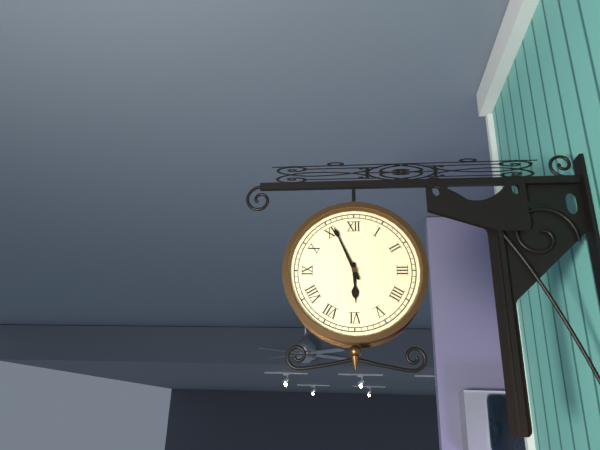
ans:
**5:56**
